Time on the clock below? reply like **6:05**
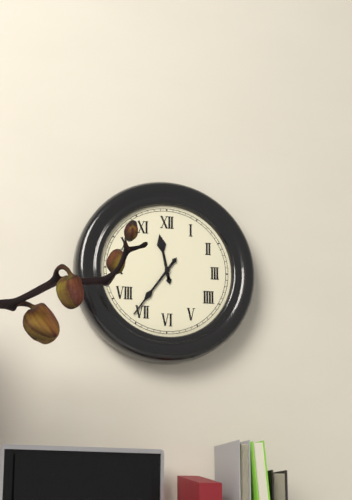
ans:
**11:36**
